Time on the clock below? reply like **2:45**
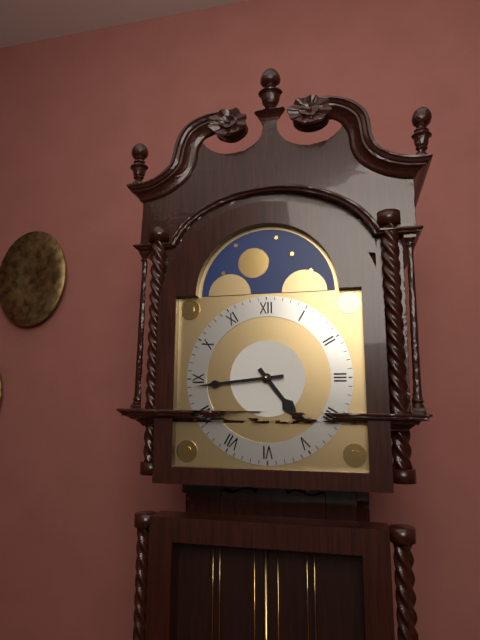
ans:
**4:44**
